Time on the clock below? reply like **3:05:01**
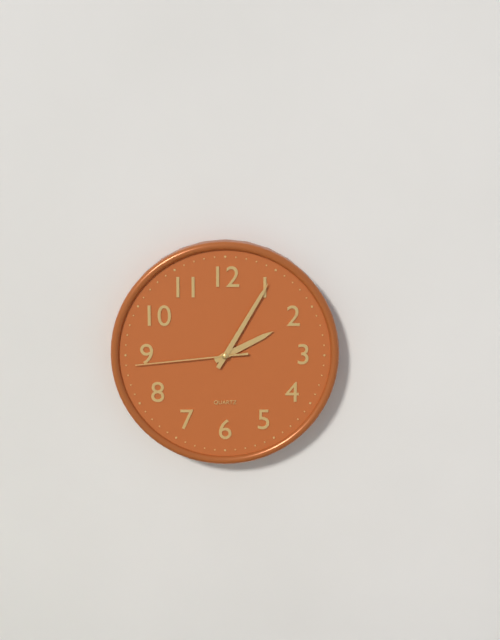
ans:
**2:05:44**
